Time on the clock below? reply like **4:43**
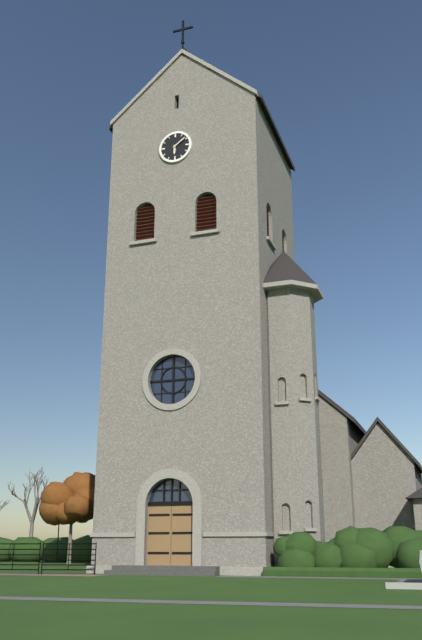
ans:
**6:09**
